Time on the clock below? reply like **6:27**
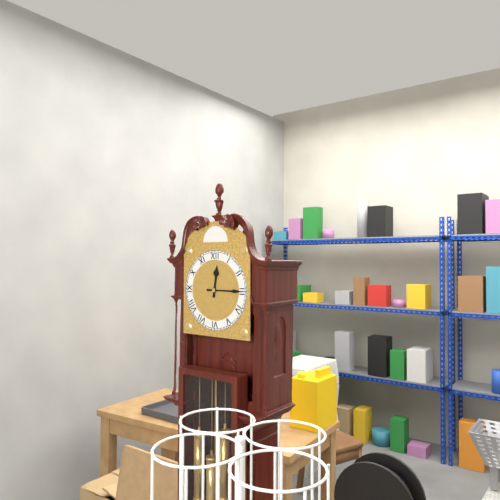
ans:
**12:15**
